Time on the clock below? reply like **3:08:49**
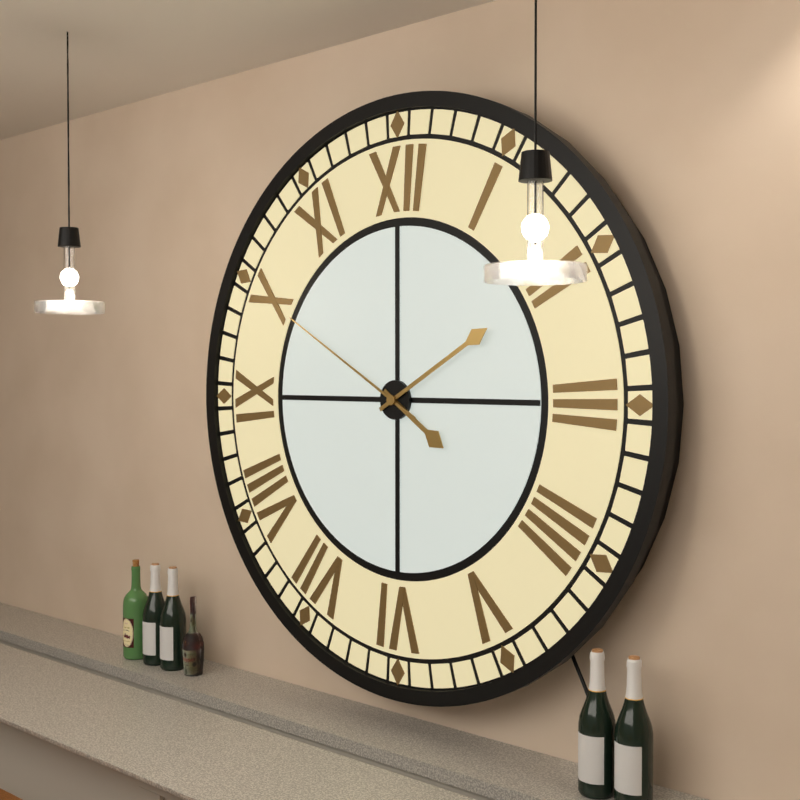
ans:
**4:10:50**
